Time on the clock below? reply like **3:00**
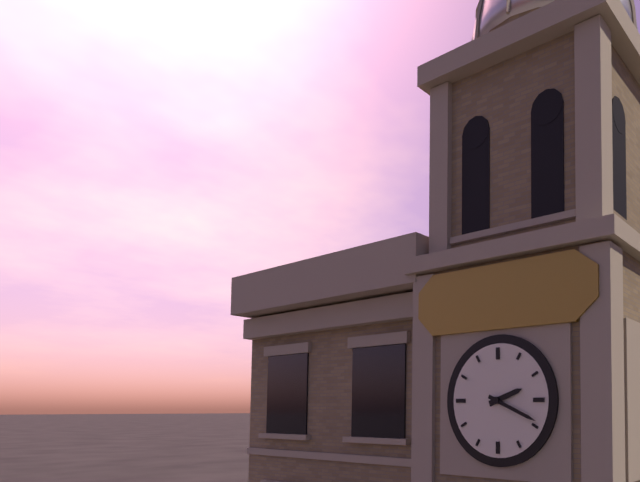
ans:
**2:19**
